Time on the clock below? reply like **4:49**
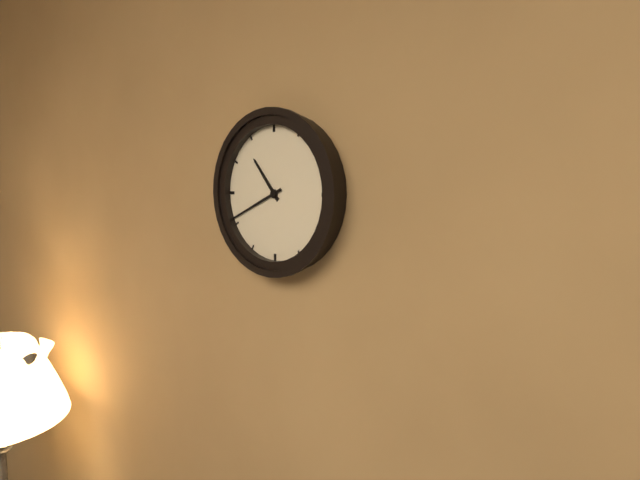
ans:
**10:41**
